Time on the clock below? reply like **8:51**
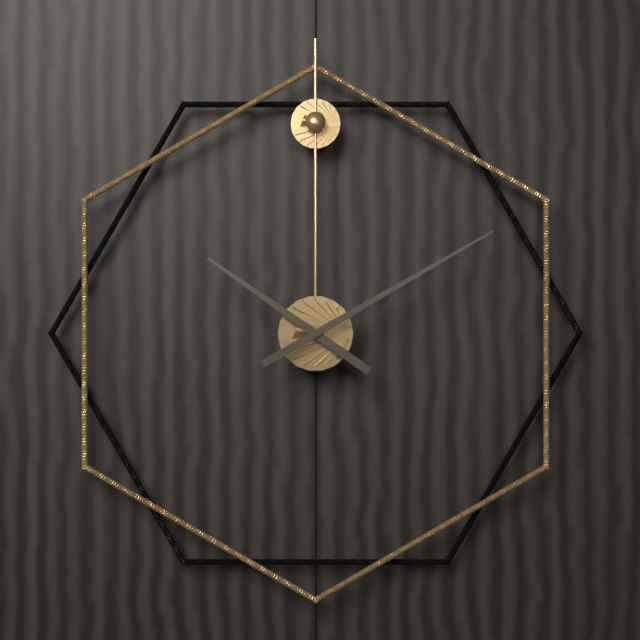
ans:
**10:10**
